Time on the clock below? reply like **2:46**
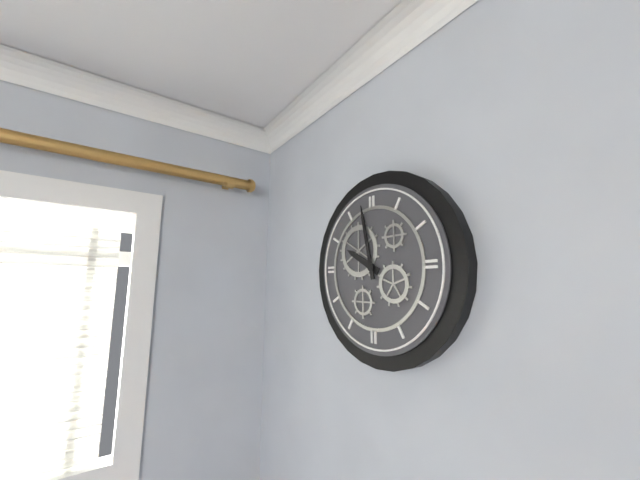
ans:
**9:58**
